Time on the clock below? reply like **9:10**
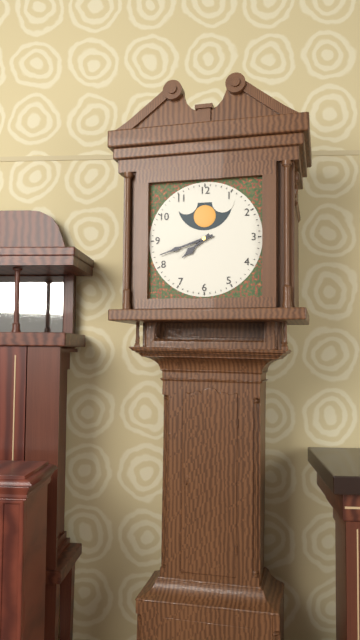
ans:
**7:42**
